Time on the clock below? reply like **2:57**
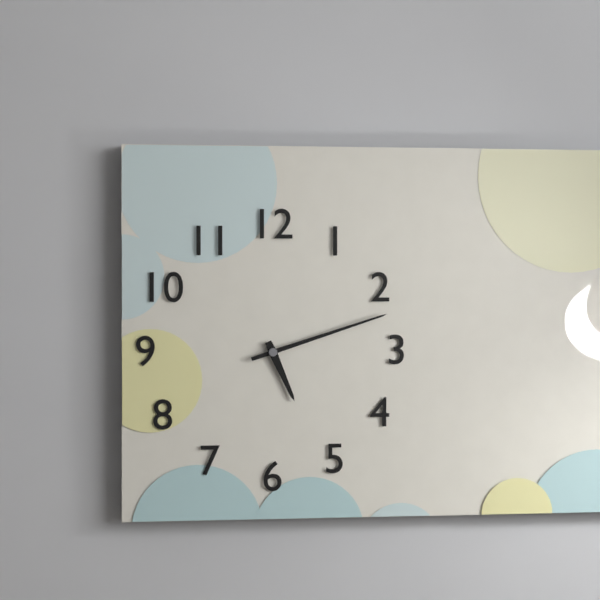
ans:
**5:12**
